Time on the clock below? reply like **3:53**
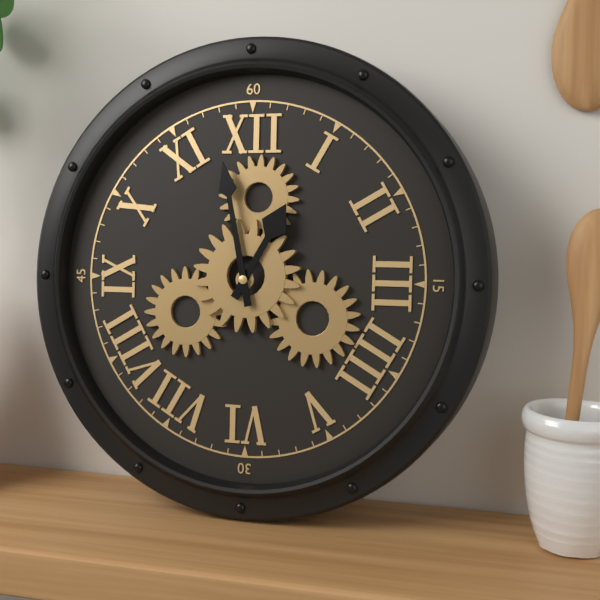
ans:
**12:58**
